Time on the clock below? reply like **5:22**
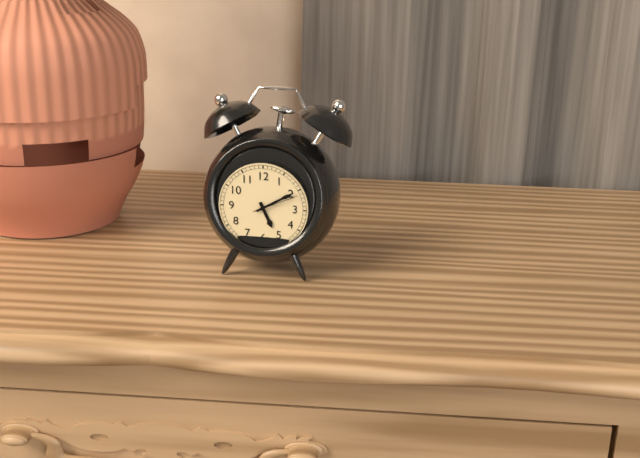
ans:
**5:10**
